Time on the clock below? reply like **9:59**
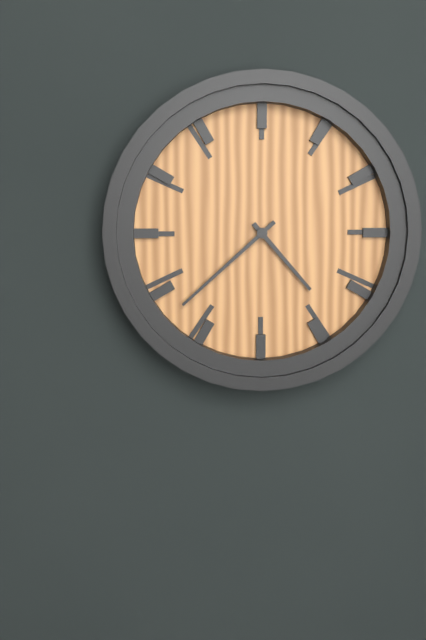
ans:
**4:38**
